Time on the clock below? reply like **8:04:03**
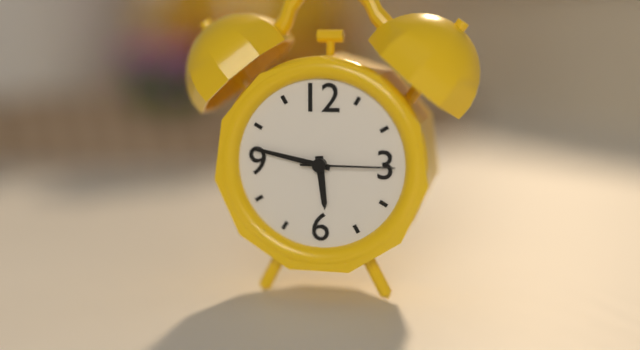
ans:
**5:47:15**
